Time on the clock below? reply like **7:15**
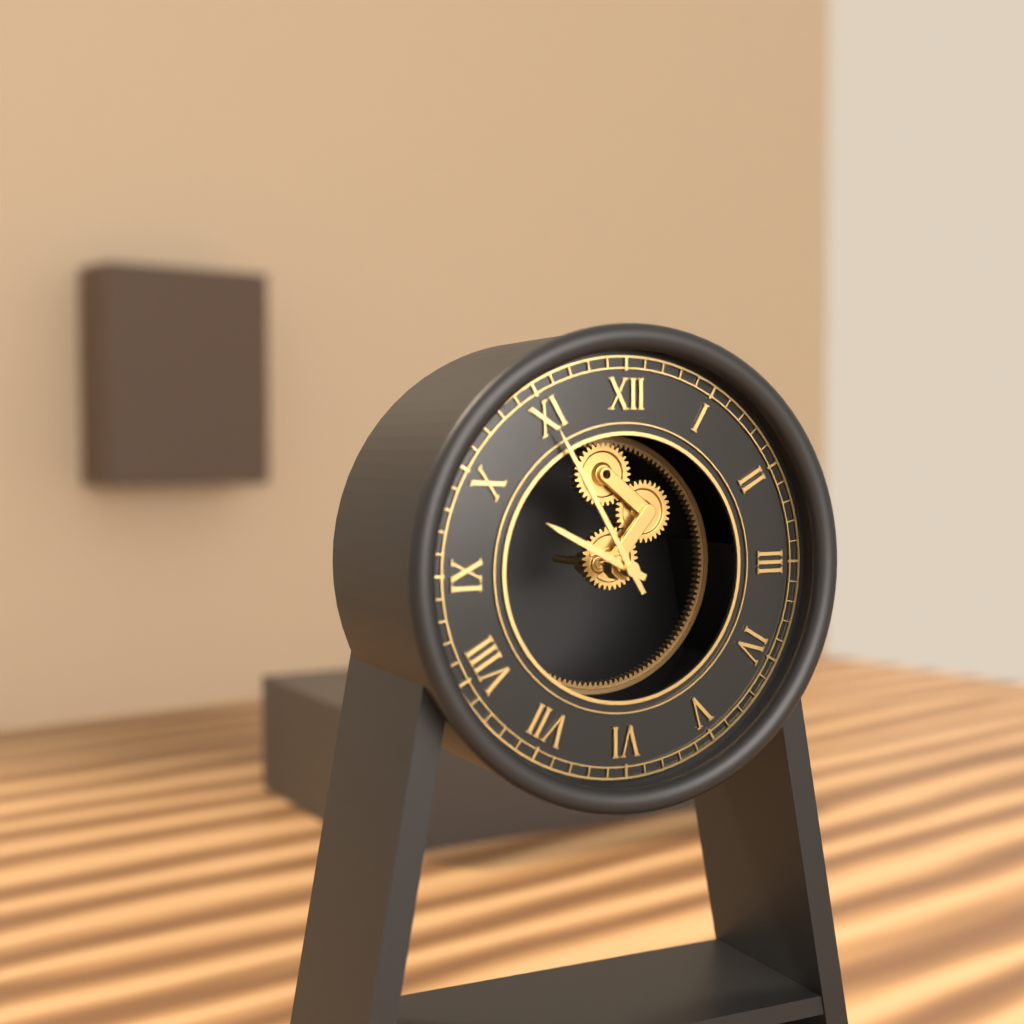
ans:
**9:55**
